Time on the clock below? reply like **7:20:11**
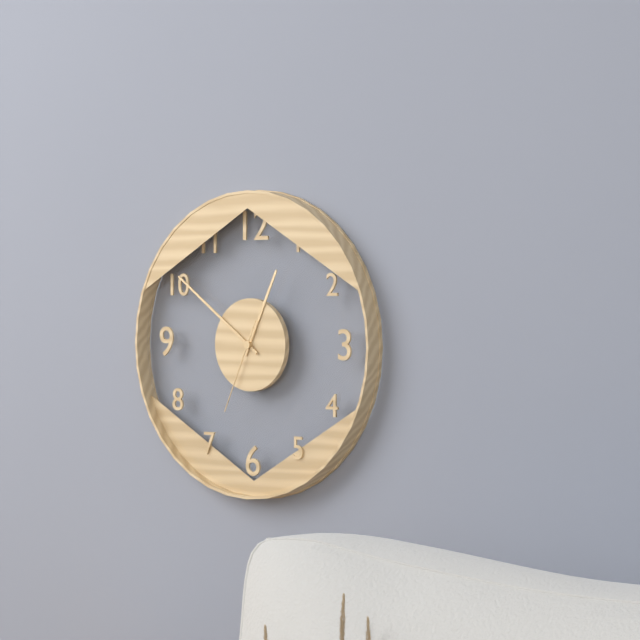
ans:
**12:51:34**
